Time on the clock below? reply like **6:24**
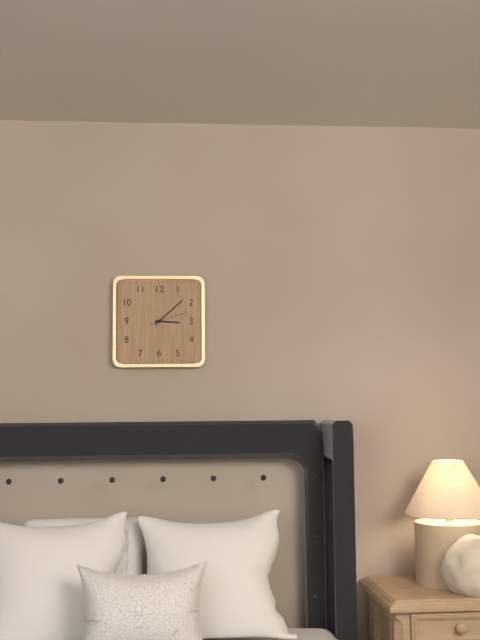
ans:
**3:08**
